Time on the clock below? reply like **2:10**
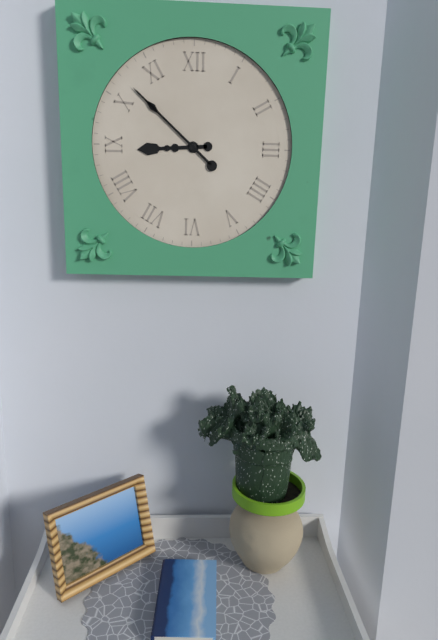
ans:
**8:52**
